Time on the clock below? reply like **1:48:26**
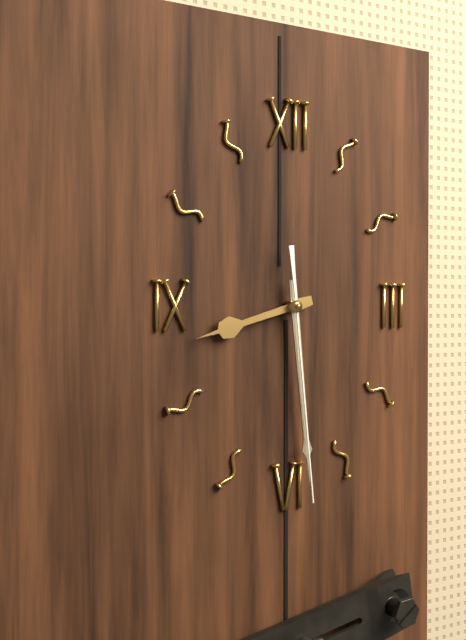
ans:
**8:29:29**
